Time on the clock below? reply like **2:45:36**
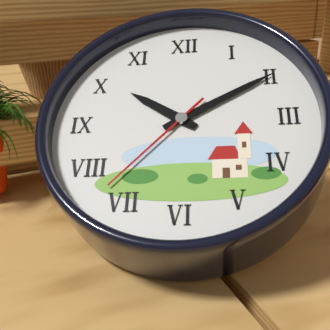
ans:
**10:10:37**
